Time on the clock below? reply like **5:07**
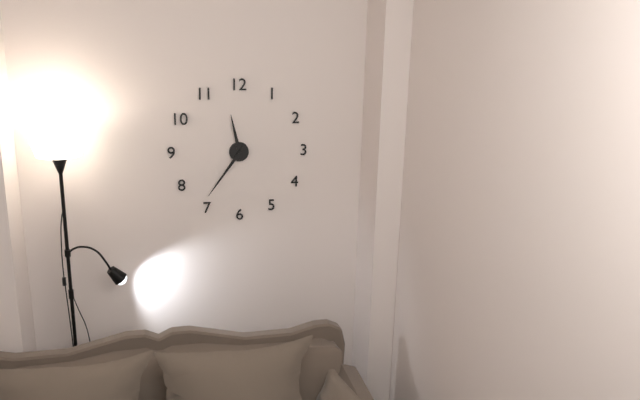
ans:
**11:36**
